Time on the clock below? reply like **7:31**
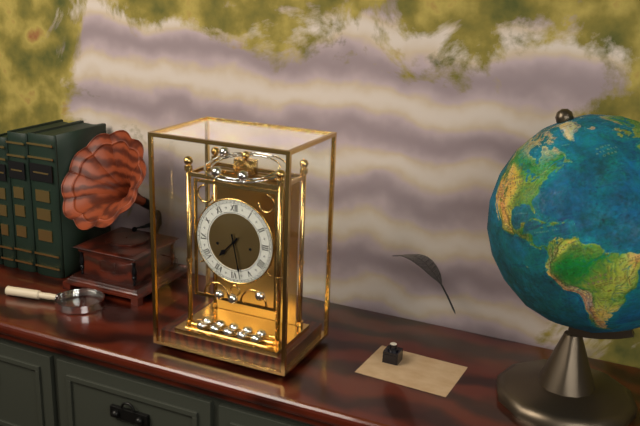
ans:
**7:28**
